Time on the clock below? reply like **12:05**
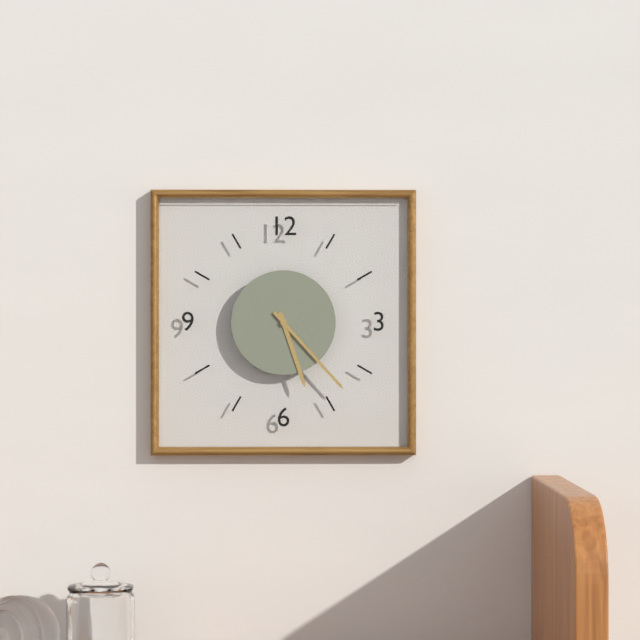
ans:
**5:23**
